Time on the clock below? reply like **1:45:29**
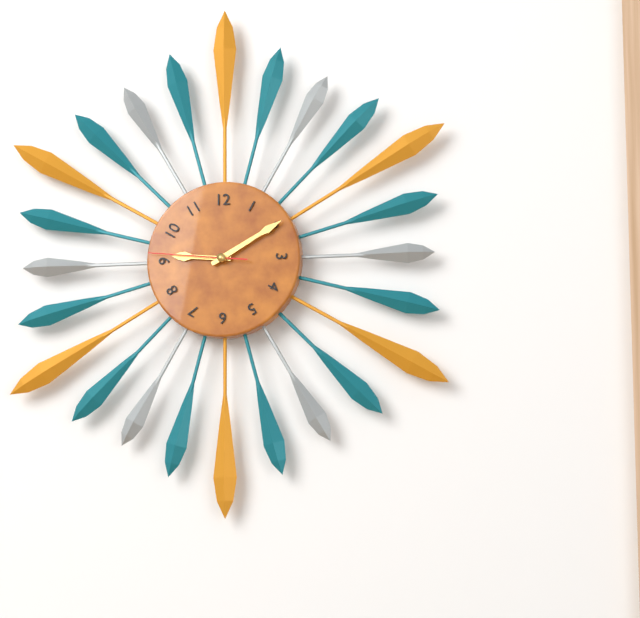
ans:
**9:10:46**
